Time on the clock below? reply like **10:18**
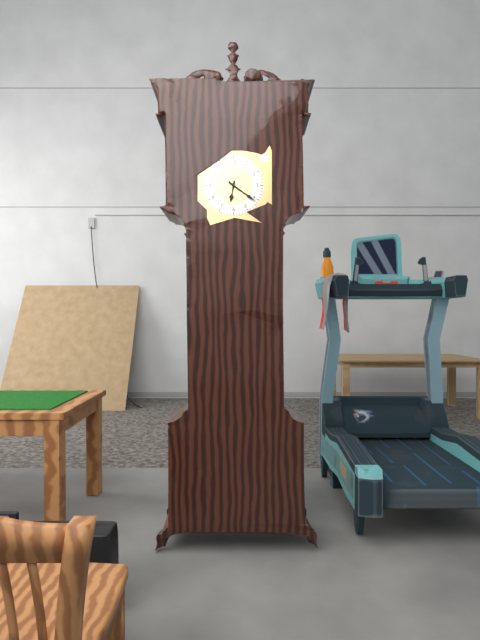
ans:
**6:21**
